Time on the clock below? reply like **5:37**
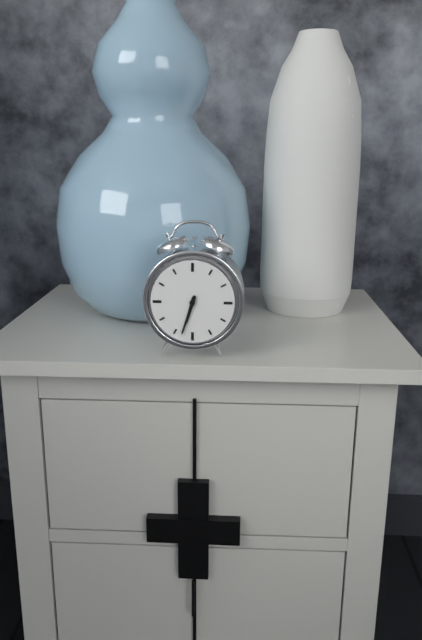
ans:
**6:33**
